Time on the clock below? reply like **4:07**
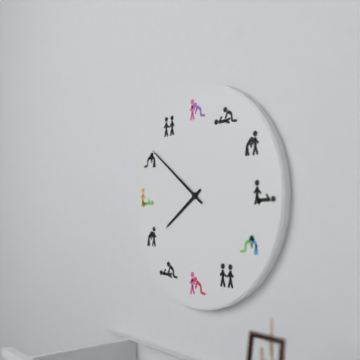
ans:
**7:51**
